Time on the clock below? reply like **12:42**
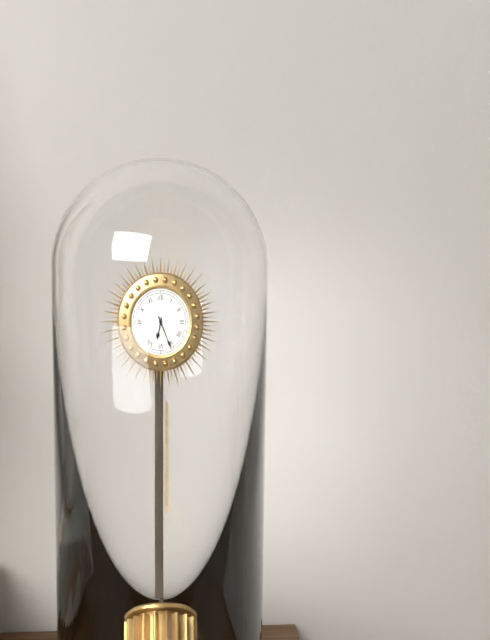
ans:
**6:26**
